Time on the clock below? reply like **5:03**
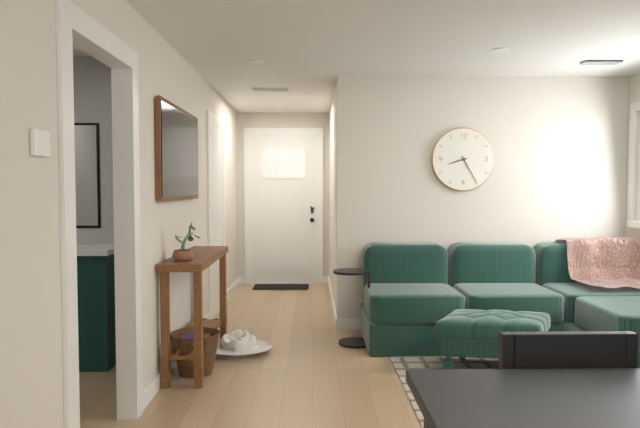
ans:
**8:25**
